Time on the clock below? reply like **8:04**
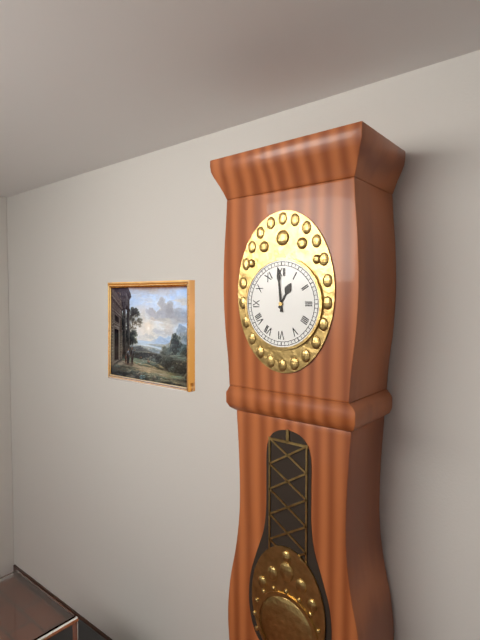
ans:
**12:59**
